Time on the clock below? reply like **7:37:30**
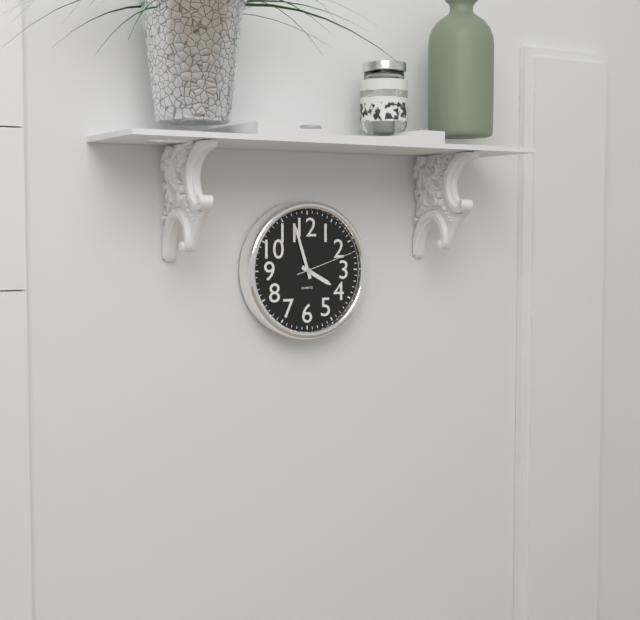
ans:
**3:57:12**
